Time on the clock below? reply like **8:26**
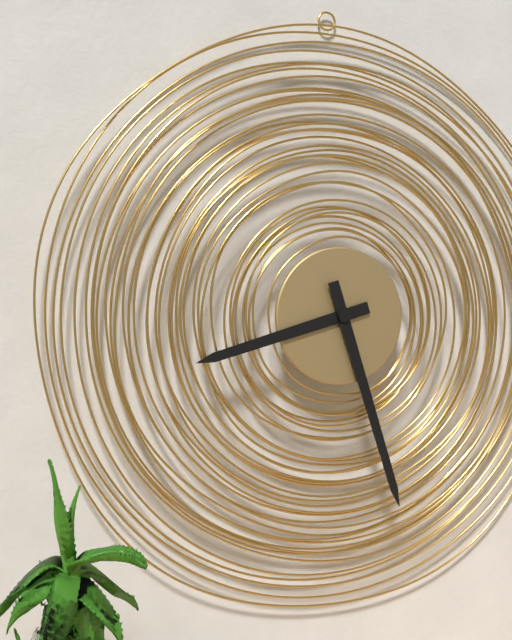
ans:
**8:27**
